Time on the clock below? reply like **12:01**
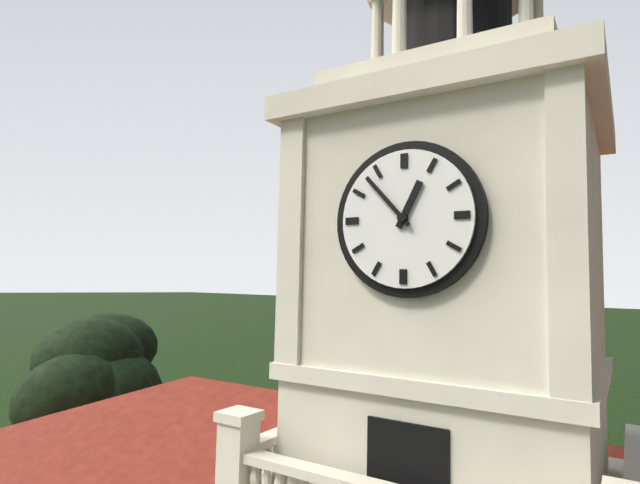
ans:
**12:53**
